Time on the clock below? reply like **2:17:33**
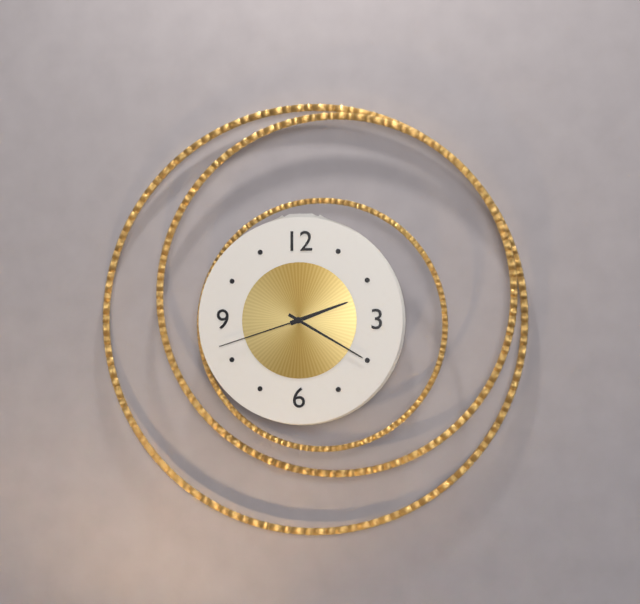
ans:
**2:20:42**
